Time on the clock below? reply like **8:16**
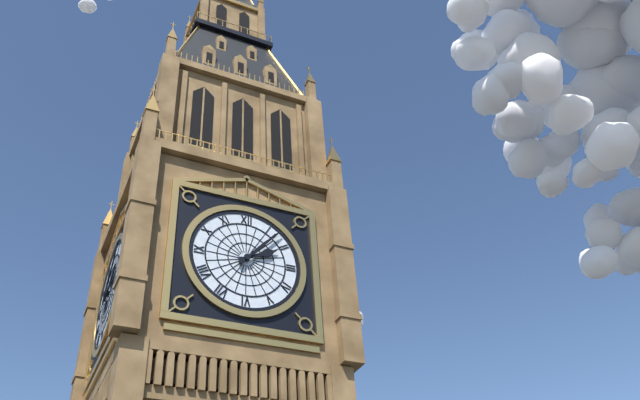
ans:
**2:07**
